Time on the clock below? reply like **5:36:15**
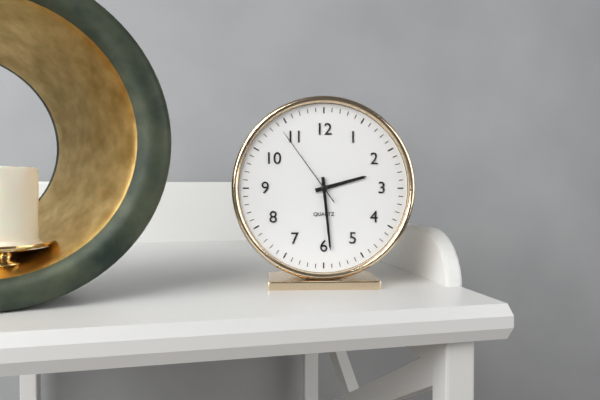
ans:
**2:29:54**
